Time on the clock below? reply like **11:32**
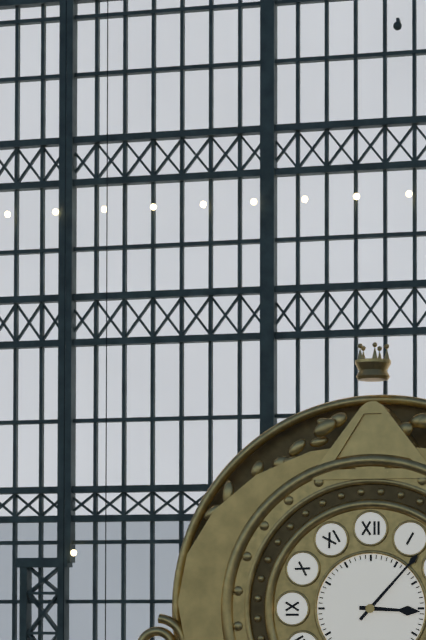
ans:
**3:07**
